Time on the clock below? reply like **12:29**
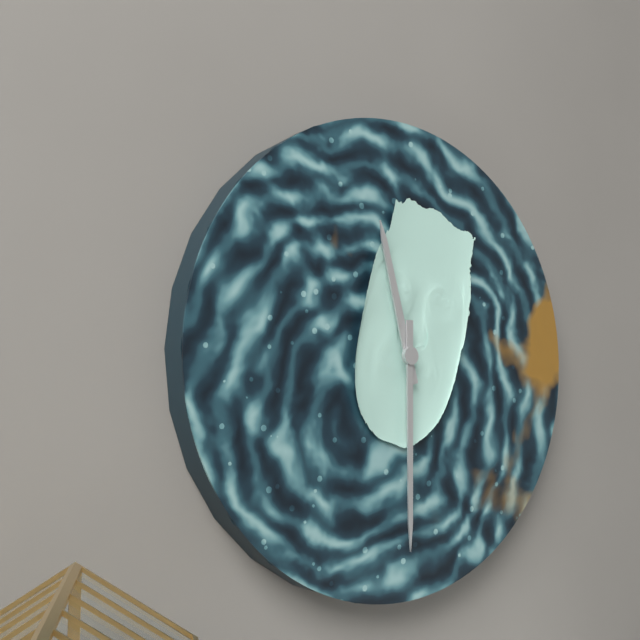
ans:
**11:30**
